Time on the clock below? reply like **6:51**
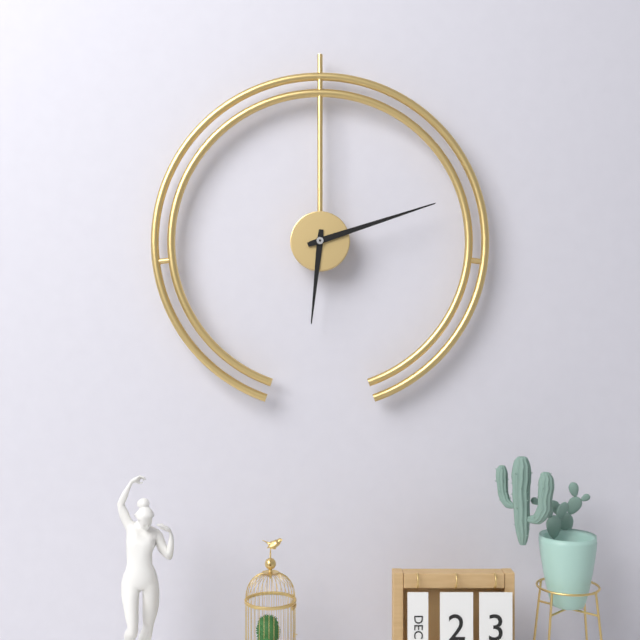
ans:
**6:12**
